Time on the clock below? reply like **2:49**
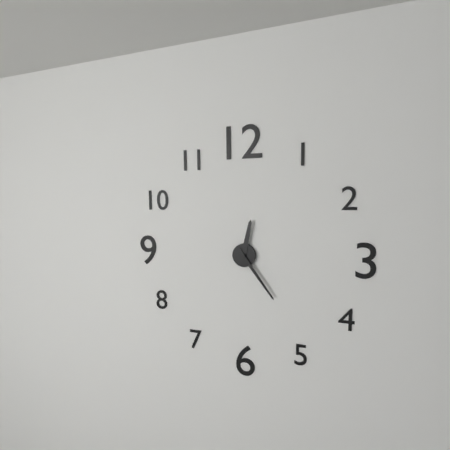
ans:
**12:24**
